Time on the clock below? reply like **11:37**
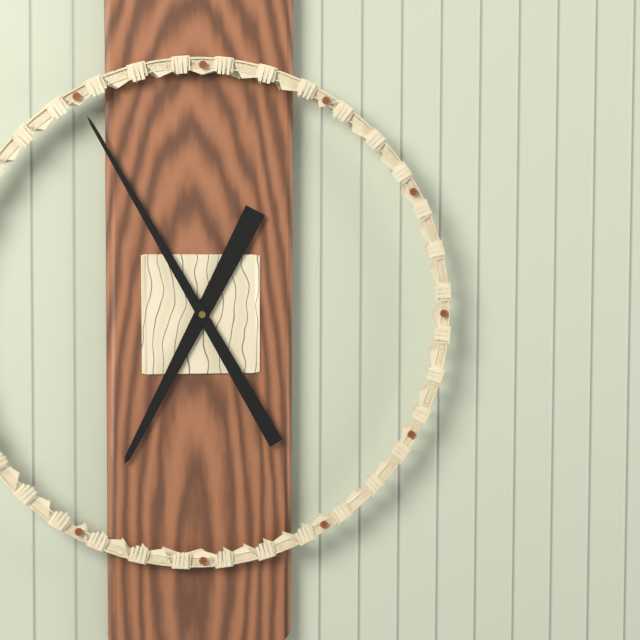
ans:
**6:55**
